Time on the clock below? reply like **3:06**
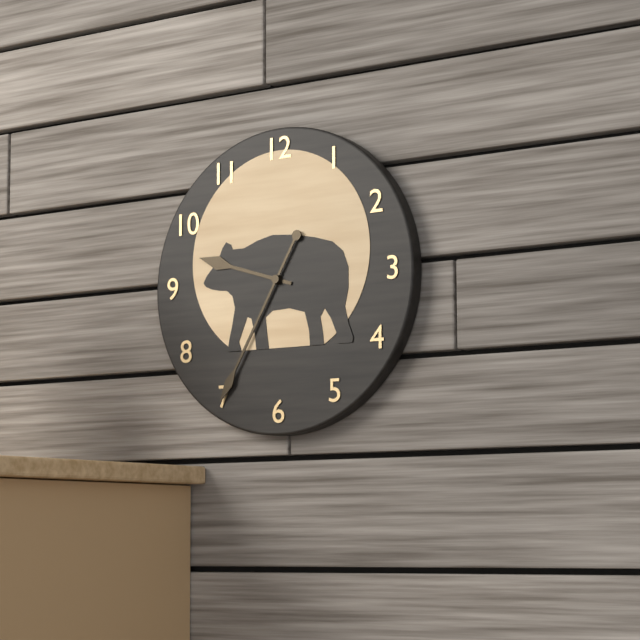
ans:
**9:35**
